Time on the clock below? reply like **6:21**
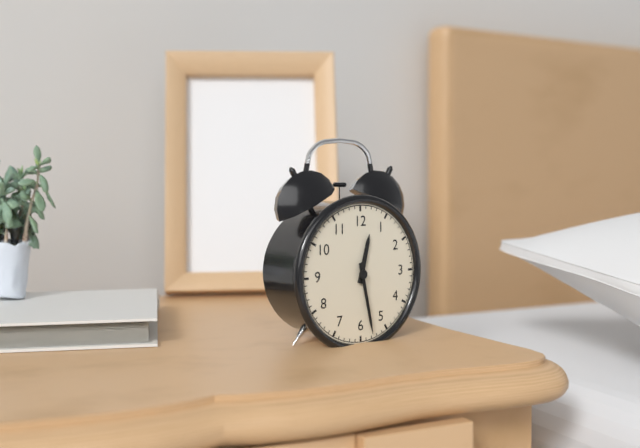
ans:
**12:28**
